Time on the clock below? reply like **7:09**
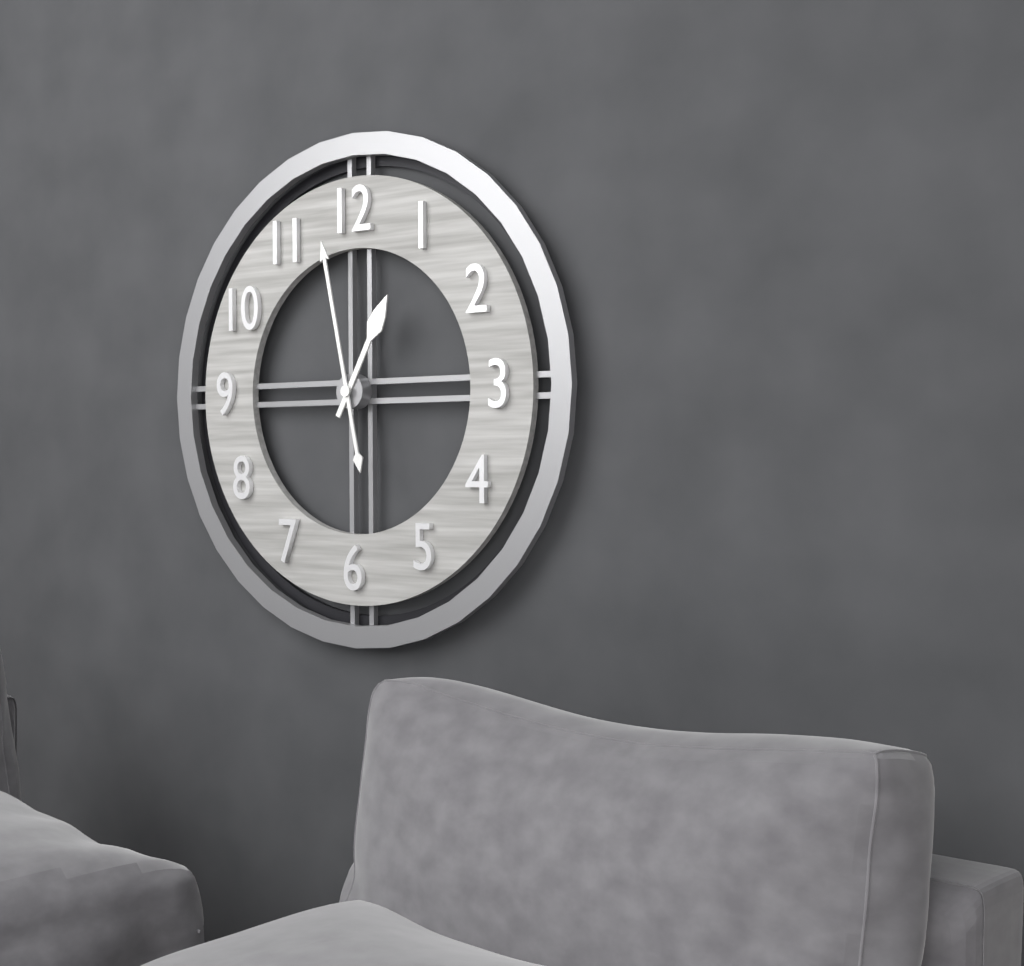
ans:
**12:58**
